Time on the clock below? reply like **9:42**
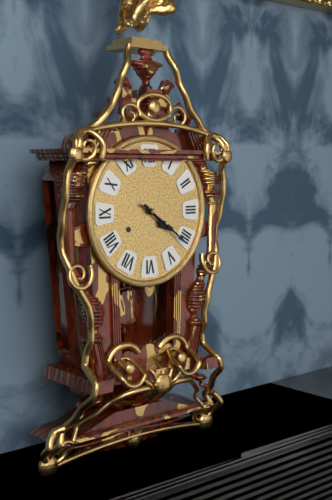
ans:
**4:21**
